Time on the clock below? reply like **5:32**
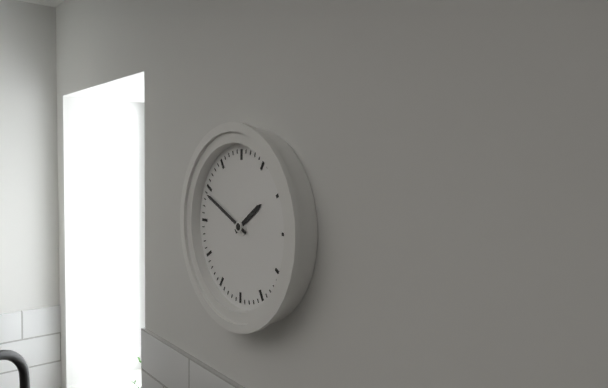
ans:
**1:49**
